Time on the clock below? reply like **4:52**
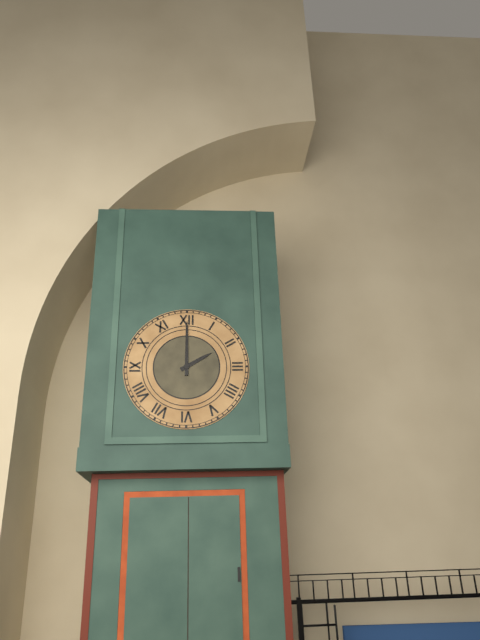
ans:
**2:00**
